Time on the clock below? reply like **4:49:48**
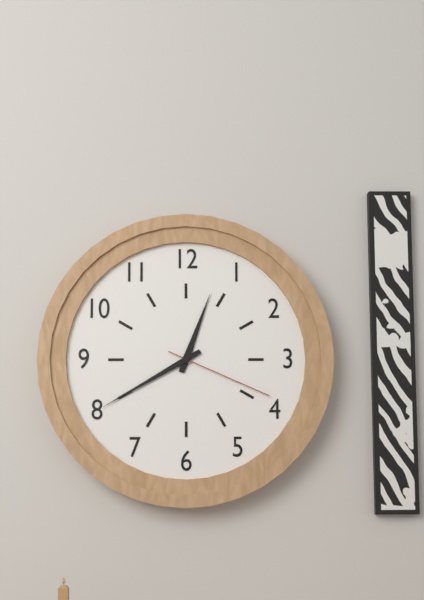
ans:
**12:40:19**
